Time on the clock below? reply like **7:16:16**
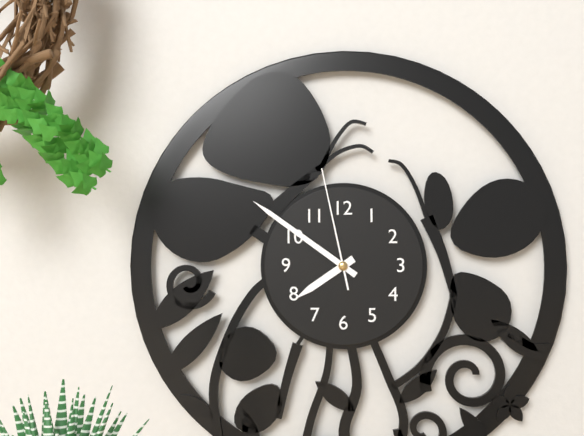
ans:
**7:51:58**
